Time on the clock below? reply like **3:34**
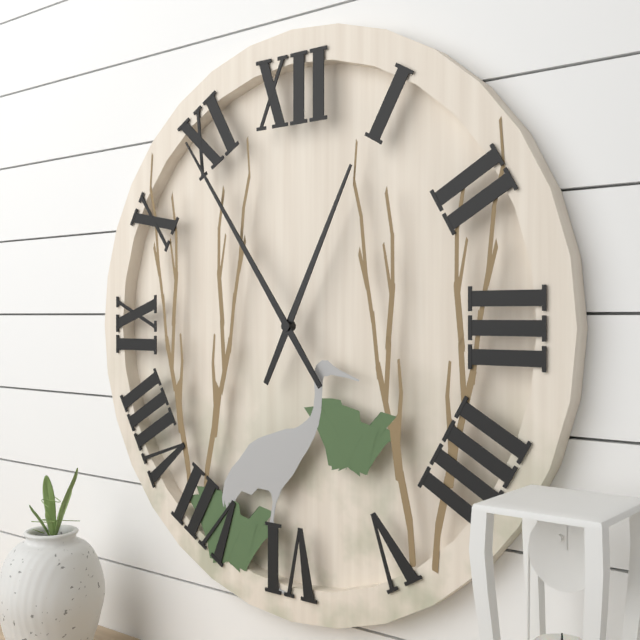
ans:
**12:54**
